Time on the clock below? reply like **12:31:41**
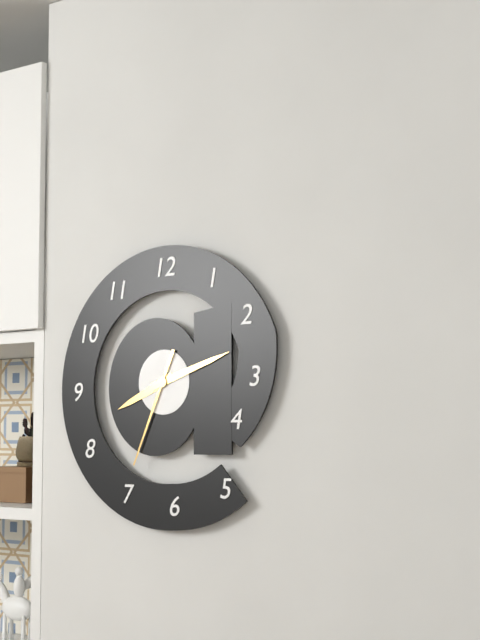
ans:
**8:12:34**
